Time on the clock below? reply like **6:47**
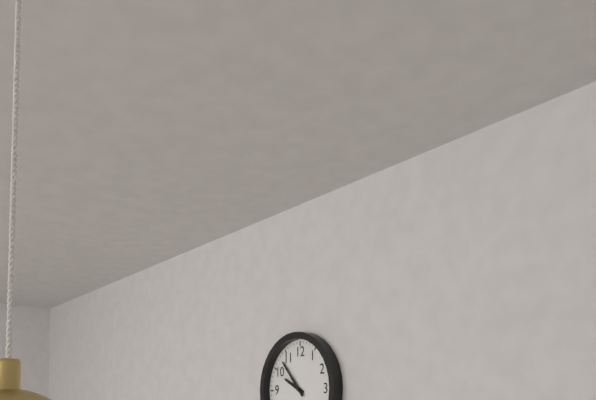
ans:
**9:53**
